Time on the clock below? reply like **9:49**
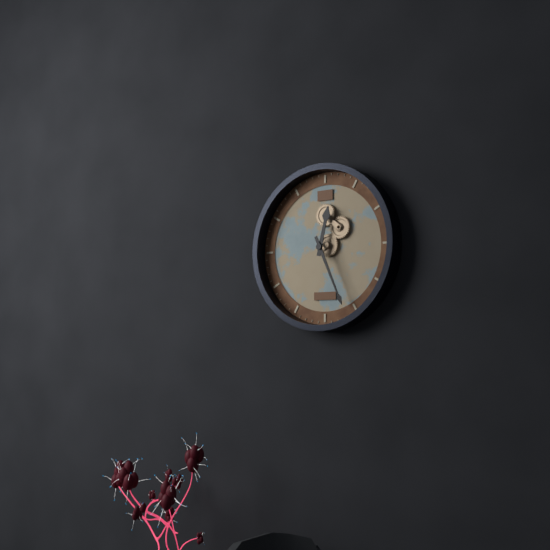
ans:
**12:26**
